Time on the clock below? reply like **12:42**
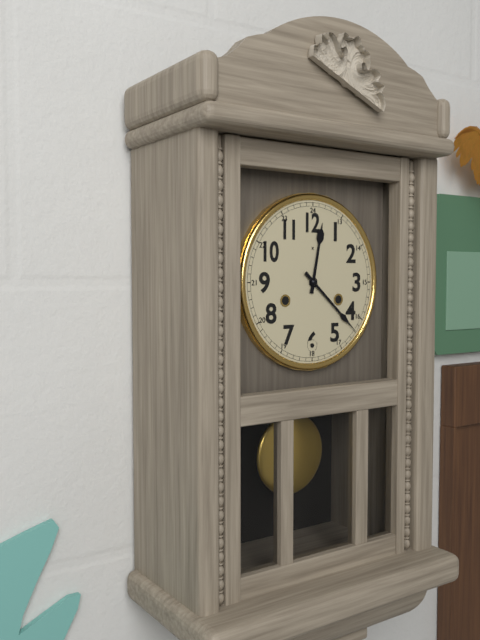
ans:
**12:22**
